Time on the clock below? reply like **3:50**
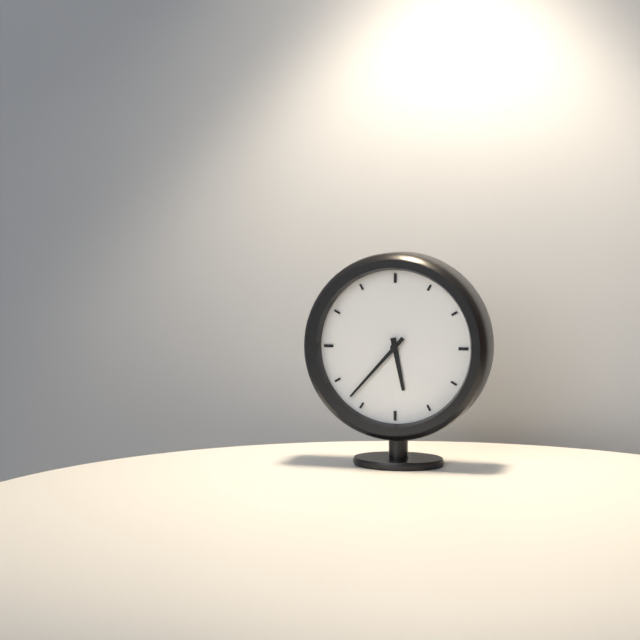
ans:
**5:37**
